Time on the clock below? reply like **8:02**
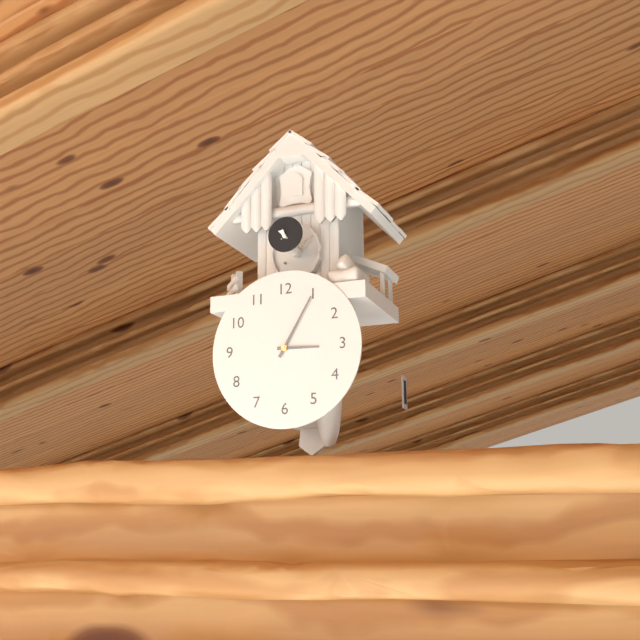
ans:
**3:05**
